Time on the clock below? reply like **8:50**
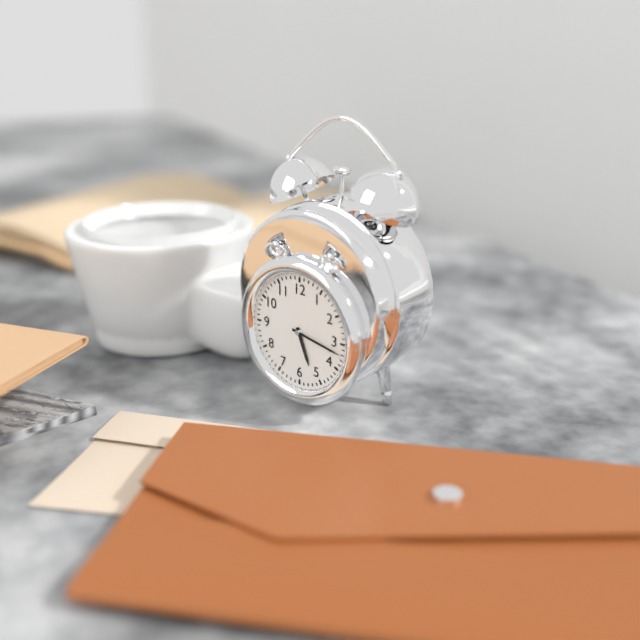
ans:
**5:17**
